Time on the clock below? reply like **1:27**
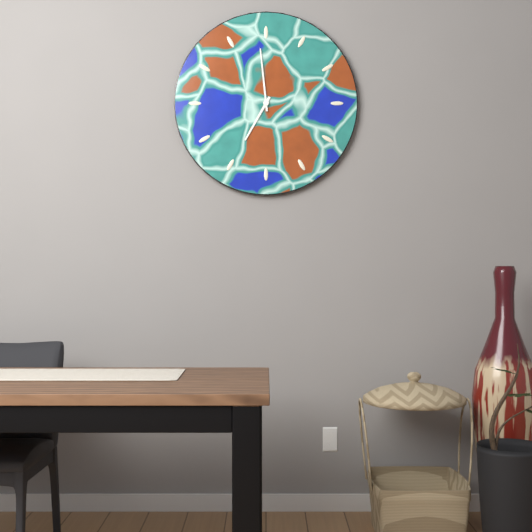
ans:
**6:59**
